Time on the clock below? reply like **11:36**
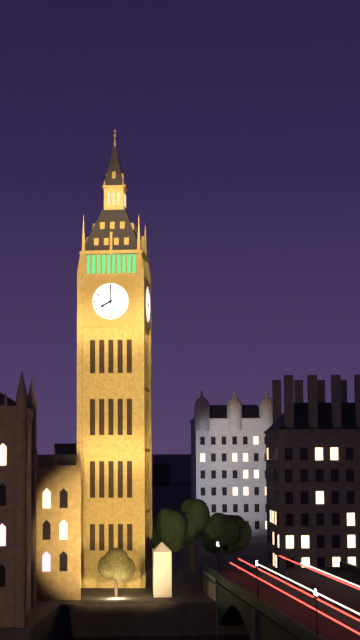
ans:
**8:00**
